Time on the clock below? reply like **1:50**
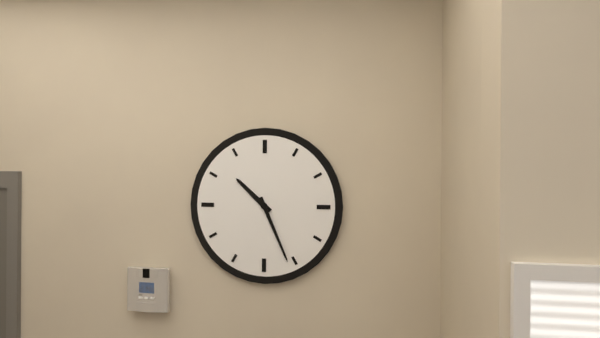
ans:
**10:26**
